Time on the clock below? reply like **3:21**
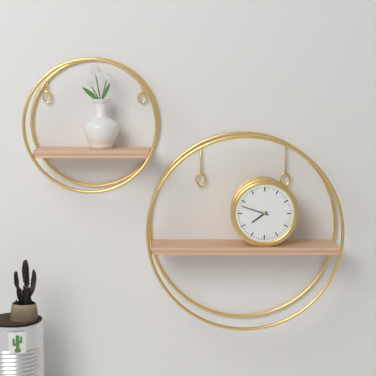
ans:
**7:48**
